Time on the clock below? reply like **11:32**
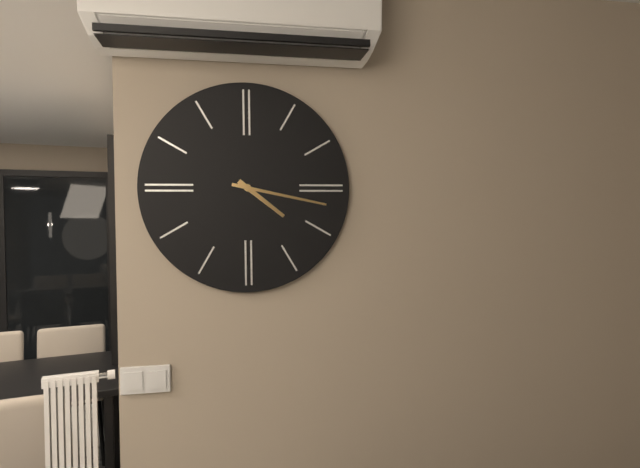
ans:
**4:17**
